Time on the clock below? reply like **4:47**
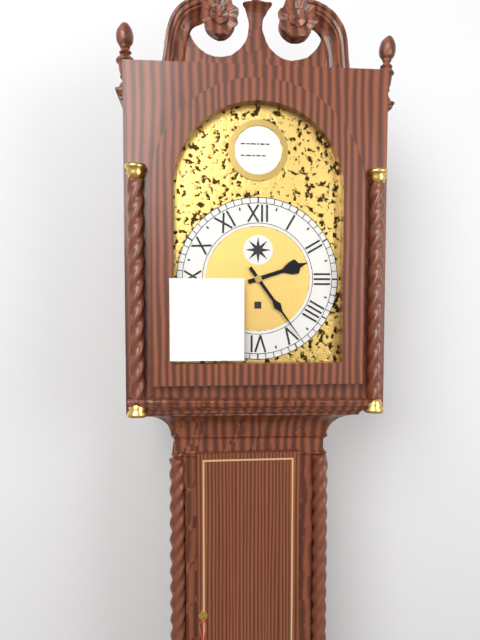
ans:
**2:24**
